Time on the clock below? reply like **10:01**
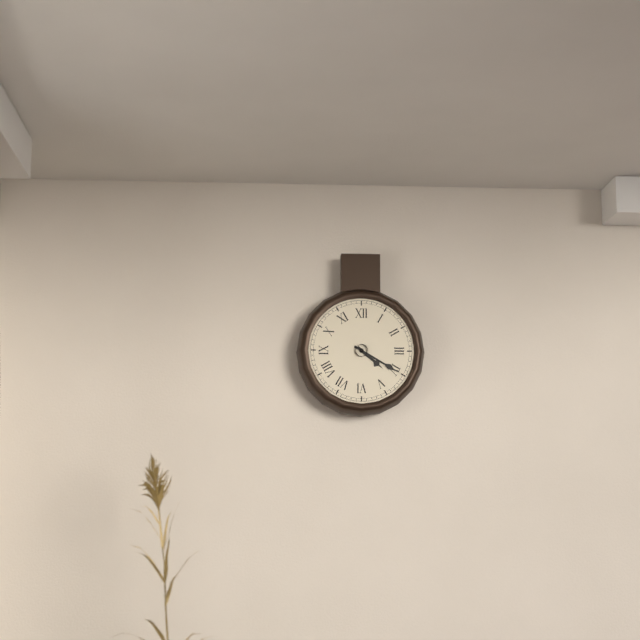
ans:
**4:20**
